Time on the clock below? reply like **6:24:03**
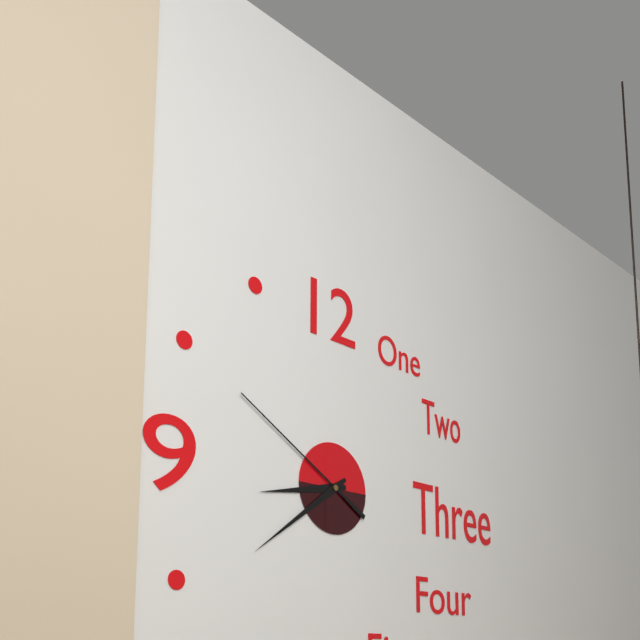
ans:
**8:39:50**
